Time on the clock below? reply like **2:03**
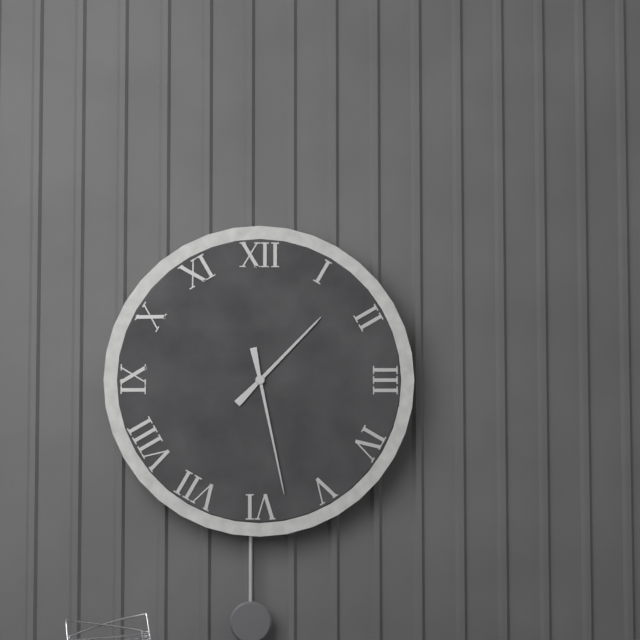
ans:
**1:28**
